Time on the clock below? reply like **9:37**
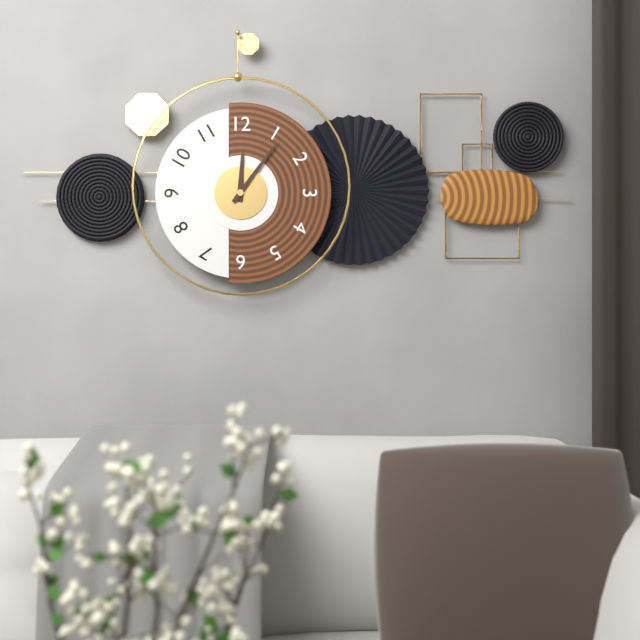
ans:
**12:06**
